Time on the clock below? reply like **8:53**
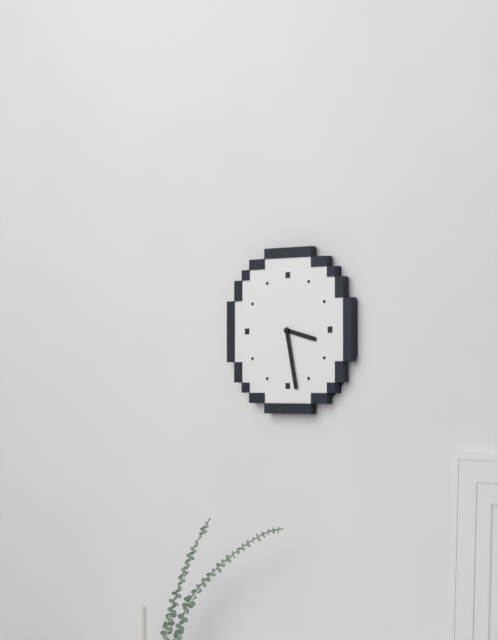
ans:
**3:28**
